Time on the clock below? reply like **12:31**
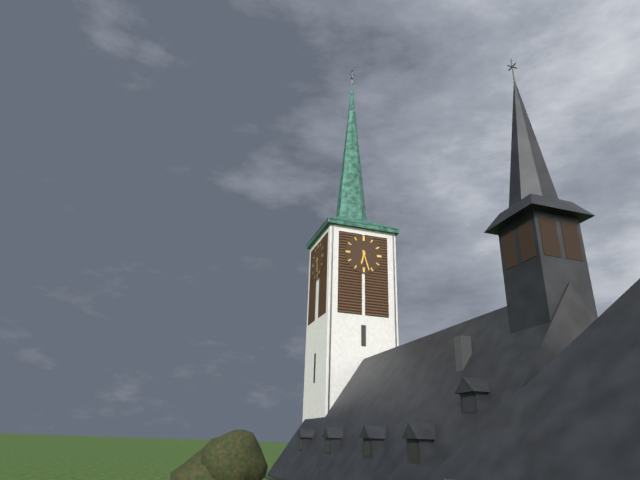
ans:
**6:27**
